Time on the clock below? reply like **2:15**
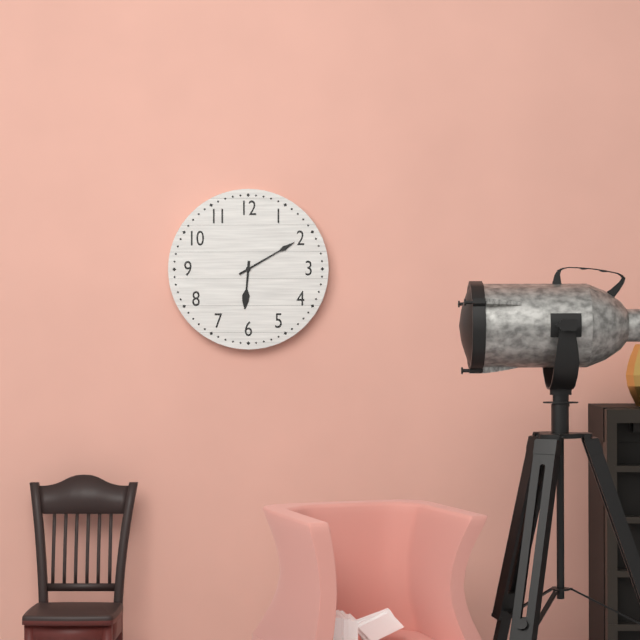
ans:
**6:10**
